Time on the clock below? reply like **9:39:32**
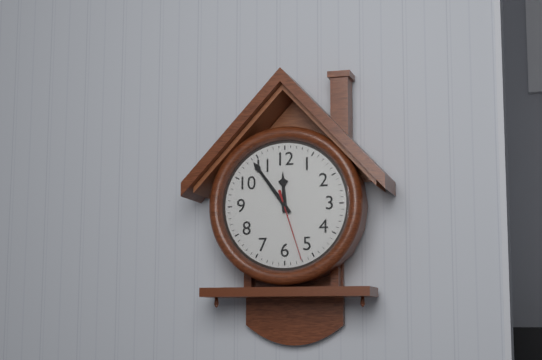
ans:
**11:54:27**
